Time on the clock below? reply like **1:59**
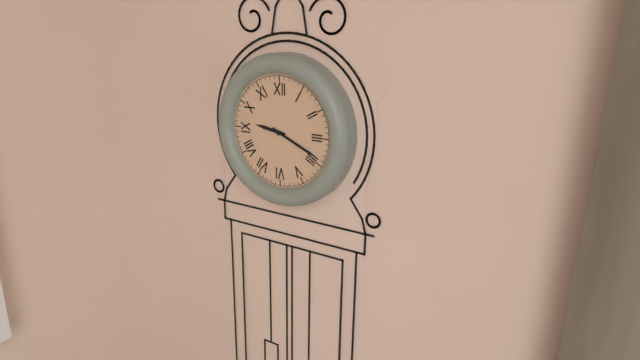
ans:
**9:19**
